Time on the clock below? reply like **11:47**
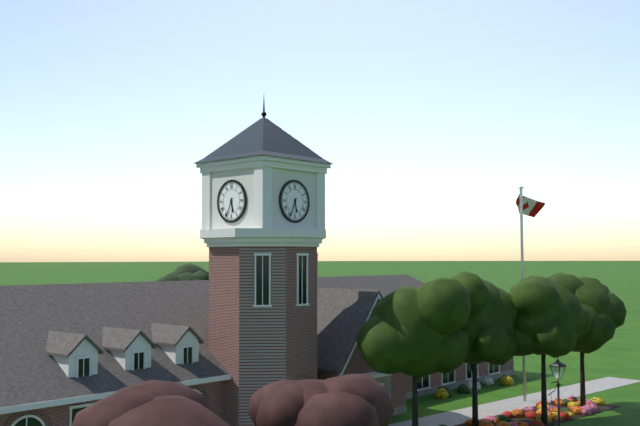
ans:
**5:34**
